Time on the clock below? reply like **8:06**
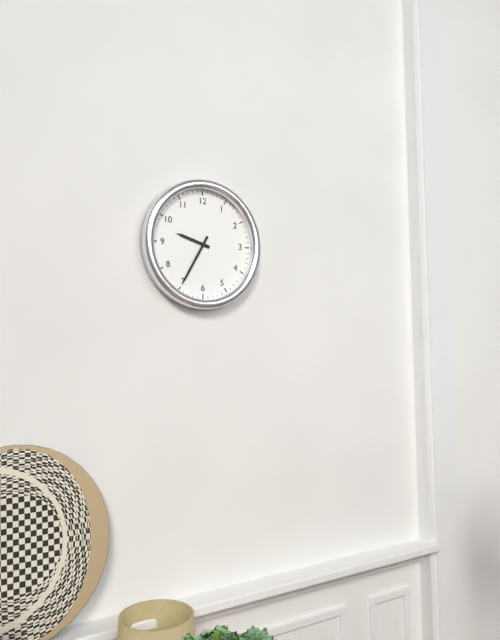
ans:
**9:35**
